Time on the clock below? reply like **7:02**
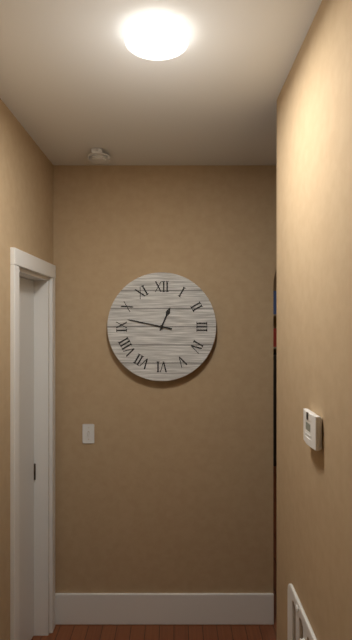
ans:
**12:47**
